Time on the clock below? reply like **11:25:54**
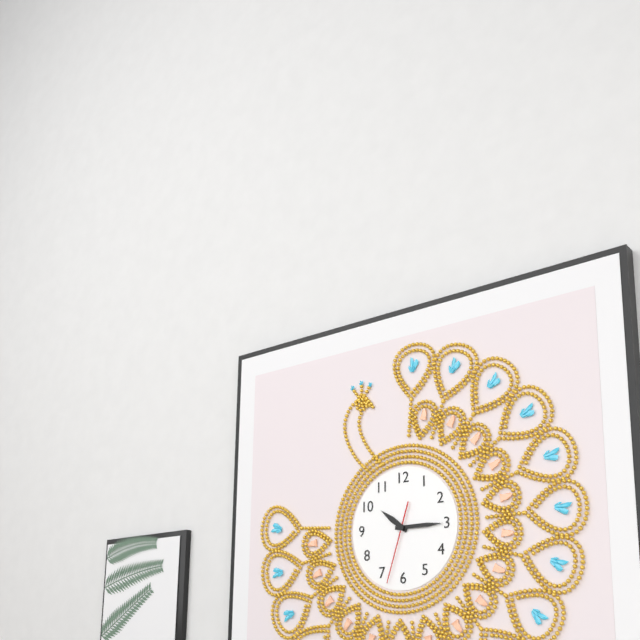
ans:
**10:15:33**
